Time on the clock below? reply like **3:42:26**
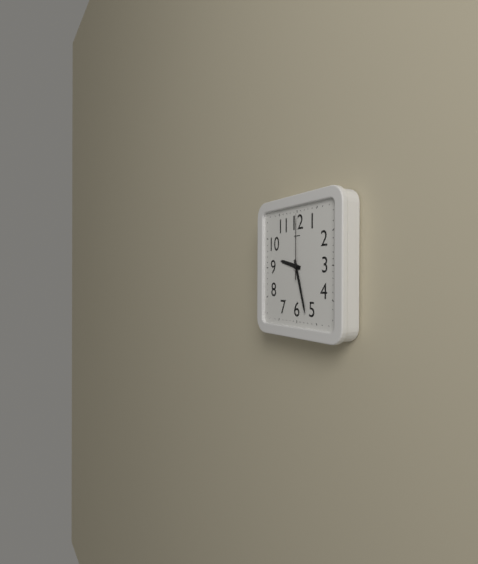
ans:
**9:27:00**
